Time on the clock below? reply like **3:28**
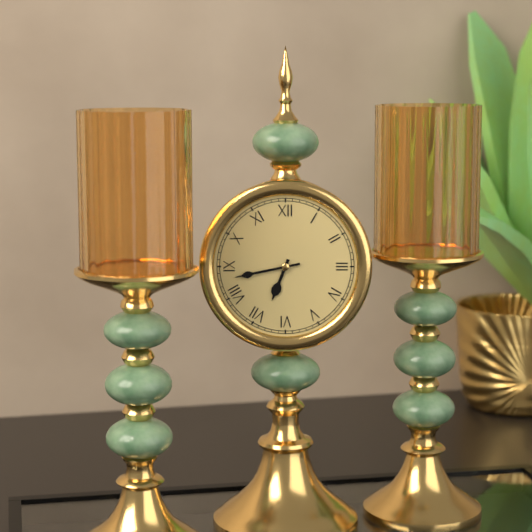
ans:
**6:43**
